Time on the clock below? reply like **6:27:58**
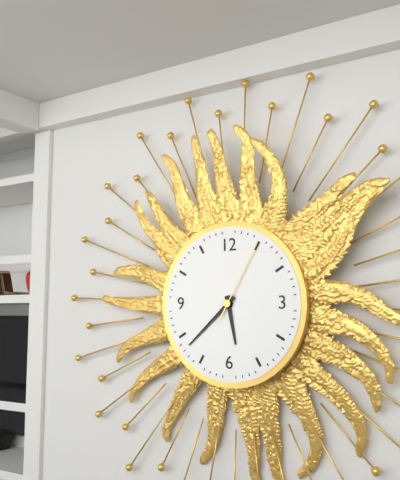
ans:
**5:38:05**
